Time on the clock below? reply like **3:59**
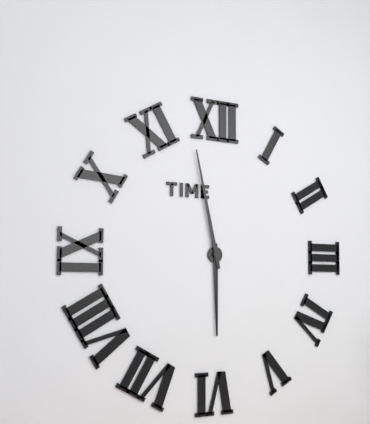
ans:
**5:58**
